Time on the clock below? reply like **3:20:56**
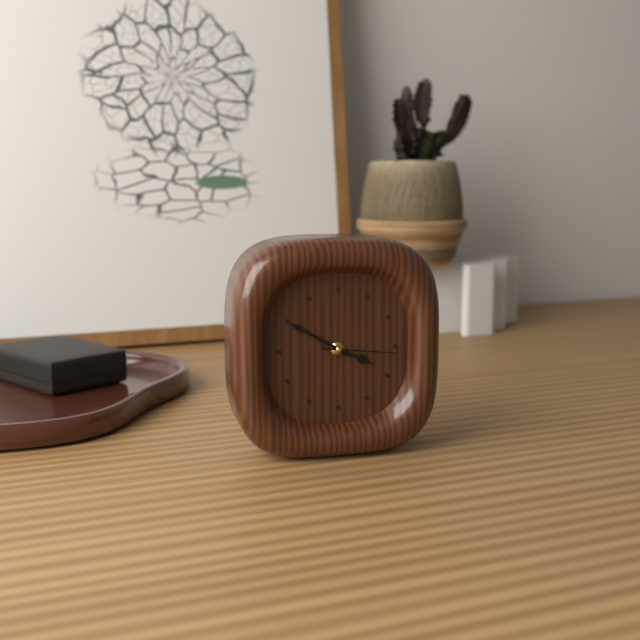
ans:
**3:50:16**
